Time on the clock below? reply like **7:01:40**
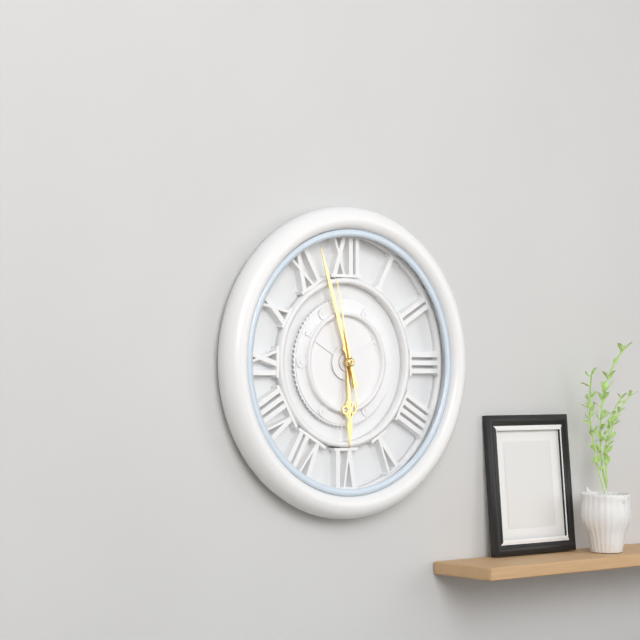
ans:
**5:57:58**
